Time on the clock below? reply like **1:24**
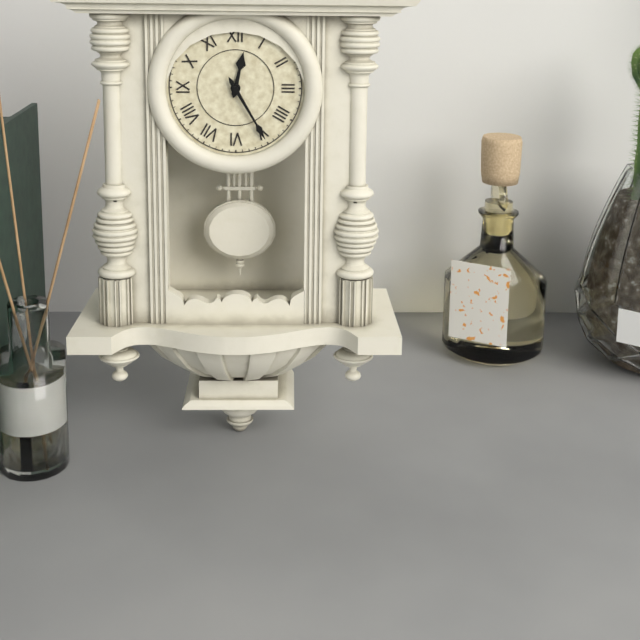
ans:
**12:25**
